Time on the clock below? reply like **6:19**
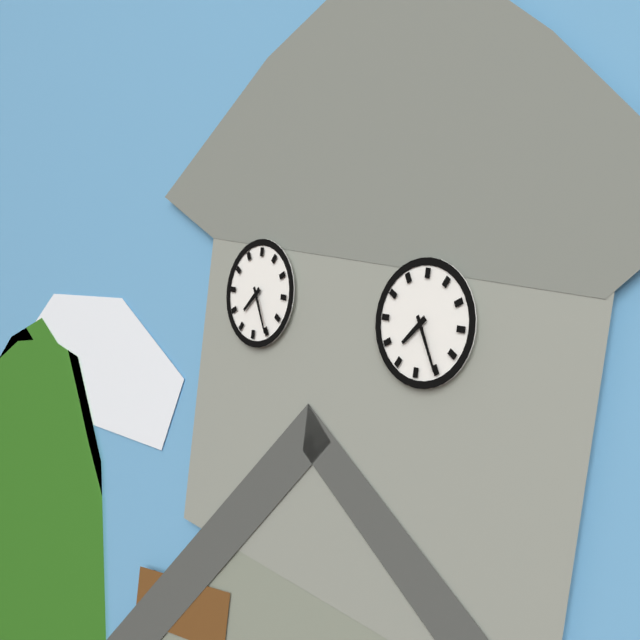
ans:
**7:25**
